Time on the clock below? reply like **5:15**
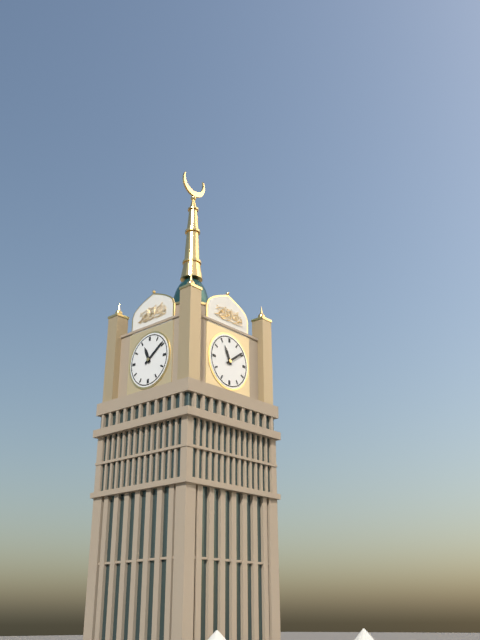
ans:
**11:09**
